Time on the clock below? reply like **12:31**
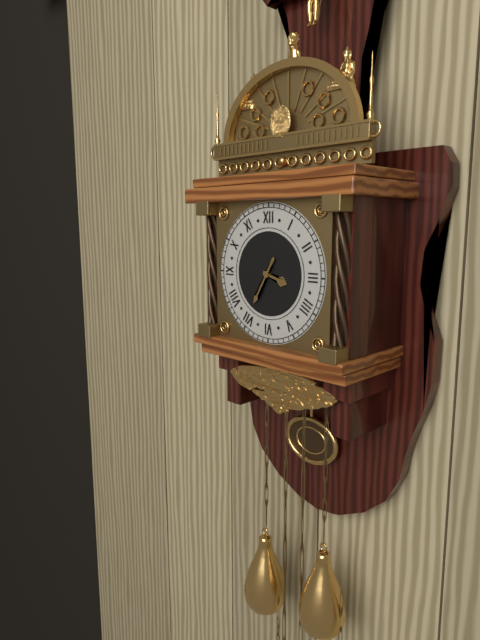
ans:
**3:35**
